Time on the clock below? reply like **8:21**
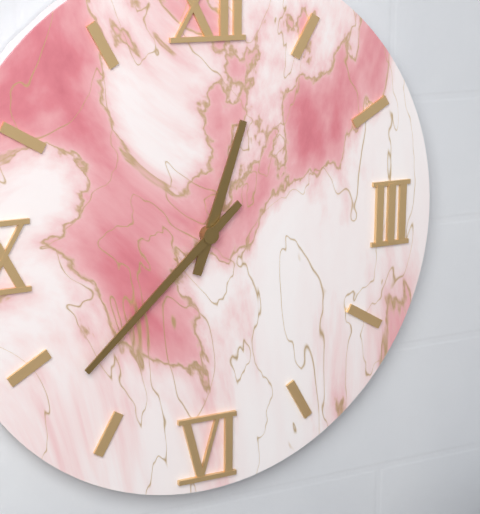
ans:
**12:38**
